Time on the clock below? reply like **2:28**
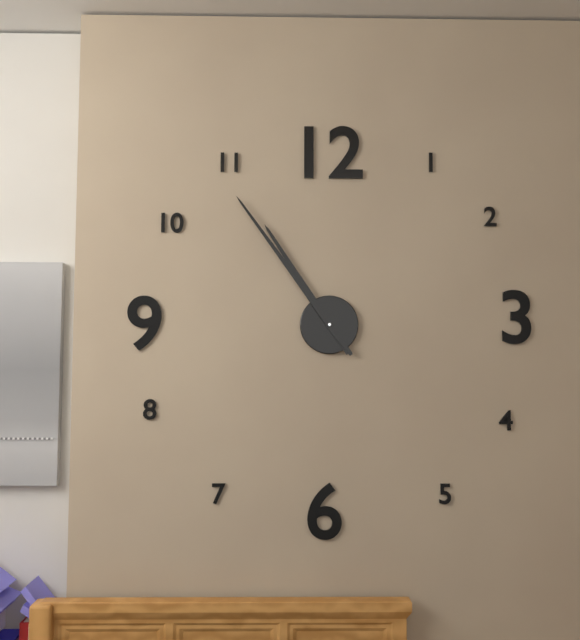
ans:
**10:54**
